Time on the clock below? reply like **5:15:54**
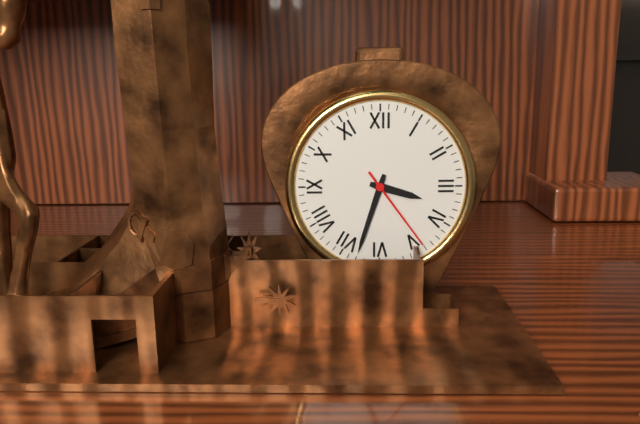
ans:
**3:33:24**
